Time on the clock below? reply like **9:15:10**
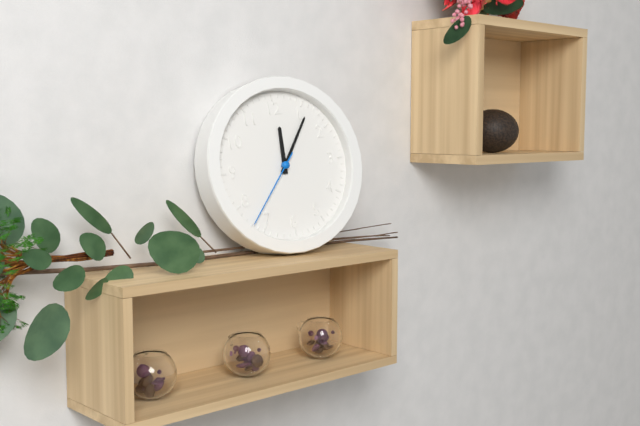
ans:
**12:06:37**
